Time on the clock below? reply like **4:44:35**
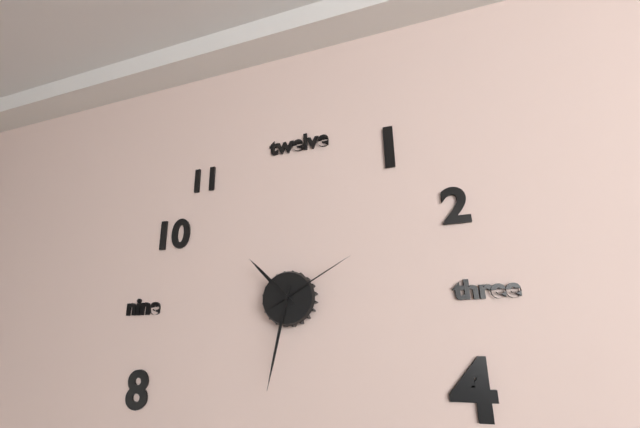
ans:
**10:32:10**
